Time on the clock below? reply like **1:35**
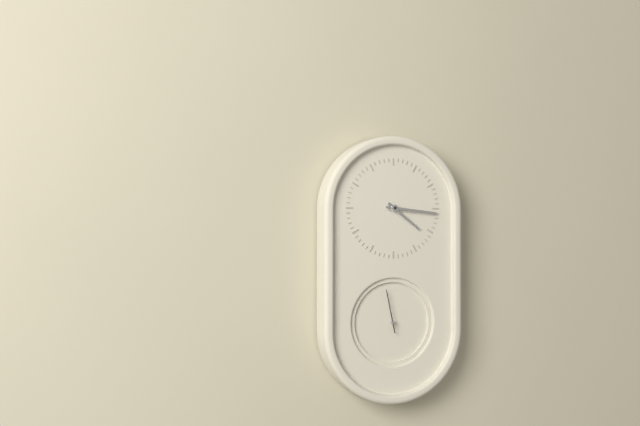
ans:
**4:16**
